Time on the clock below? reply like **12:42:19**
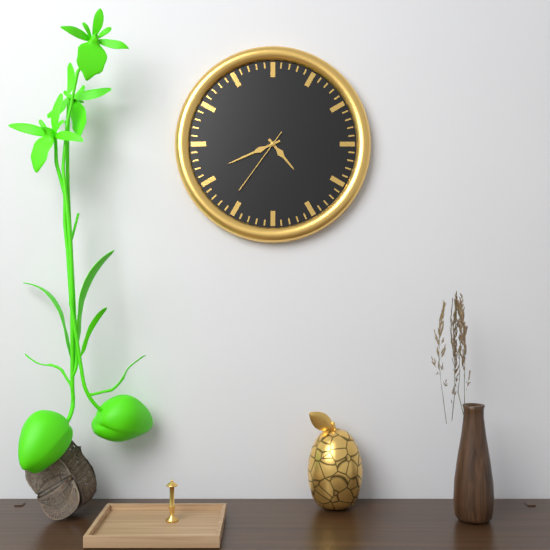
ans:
**4:41:36**
